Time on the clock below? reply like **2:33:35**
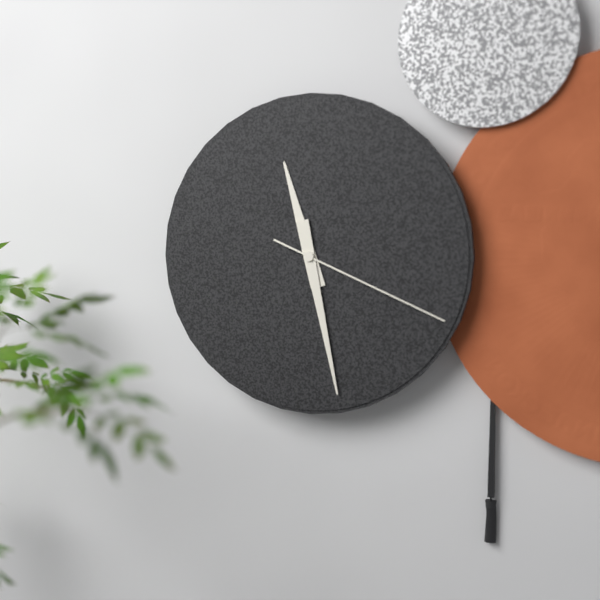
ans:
**11:28:19**
